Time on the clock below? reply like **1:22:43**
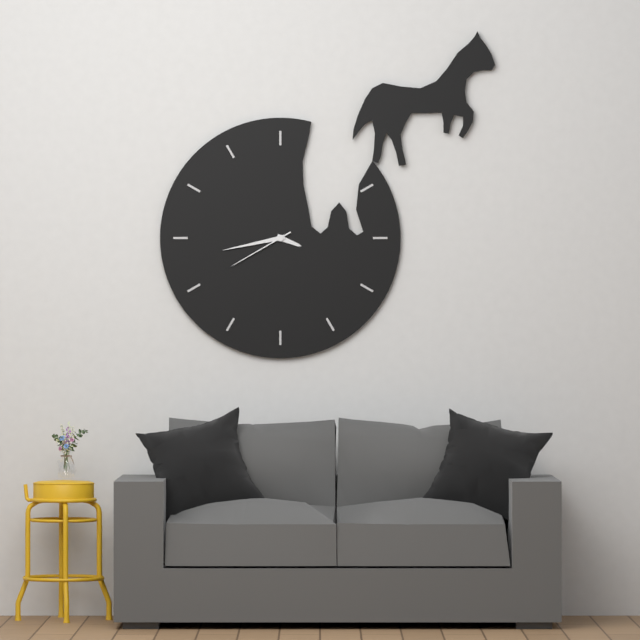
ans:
**3:43:40**
